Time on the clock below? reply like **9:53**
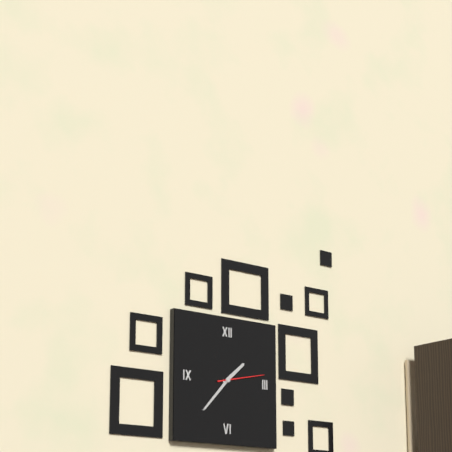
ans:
**1:37**
